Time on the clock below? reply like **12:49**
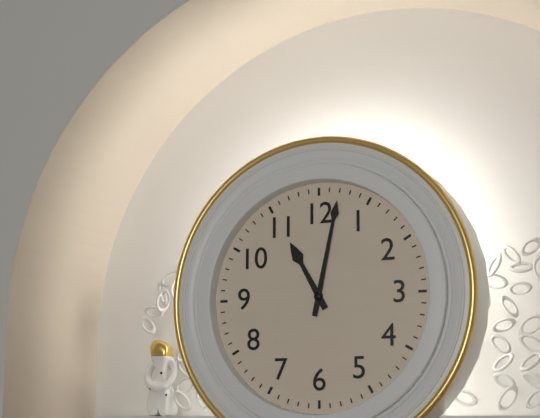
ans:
**11:02**
